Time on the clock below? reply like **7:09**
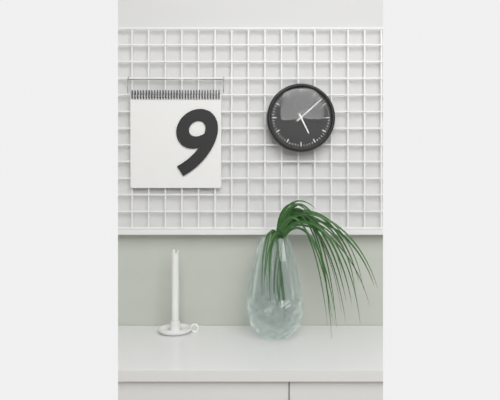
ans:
**5:08**
